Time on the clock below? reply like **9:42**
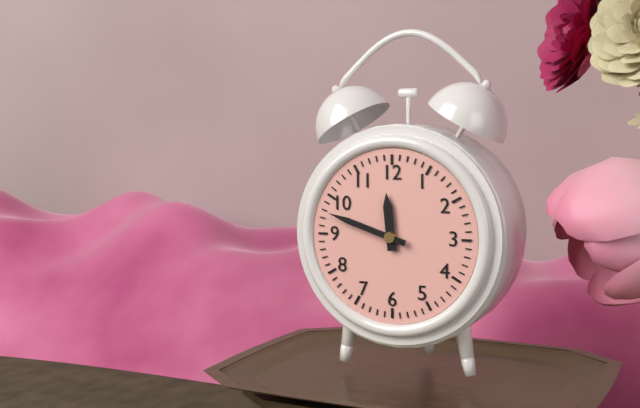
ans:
**11:48**
